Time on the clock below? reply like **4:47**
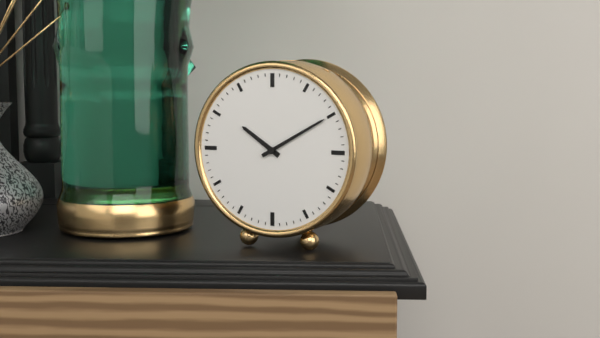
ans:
**10:10**
